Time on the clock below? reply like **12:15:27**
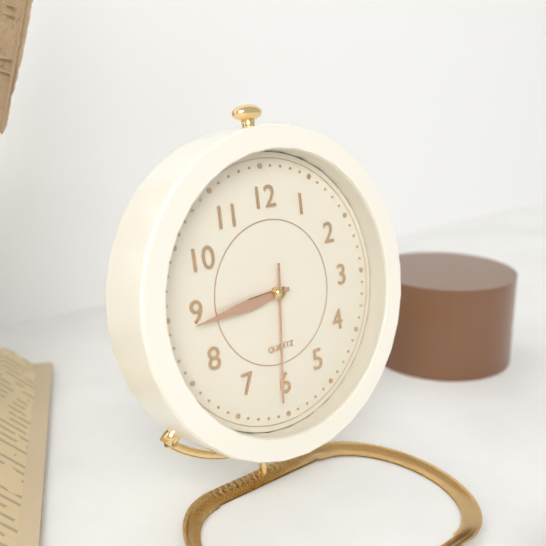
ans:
**8:44:31**
